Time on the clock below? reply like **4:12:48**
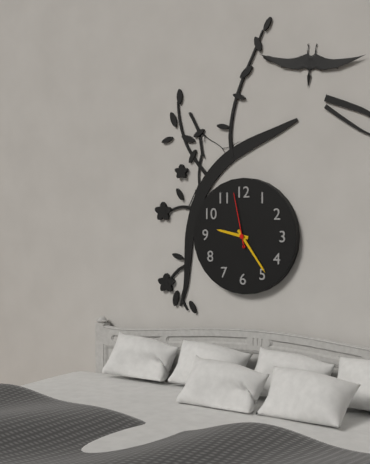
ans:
**9:24:58**
